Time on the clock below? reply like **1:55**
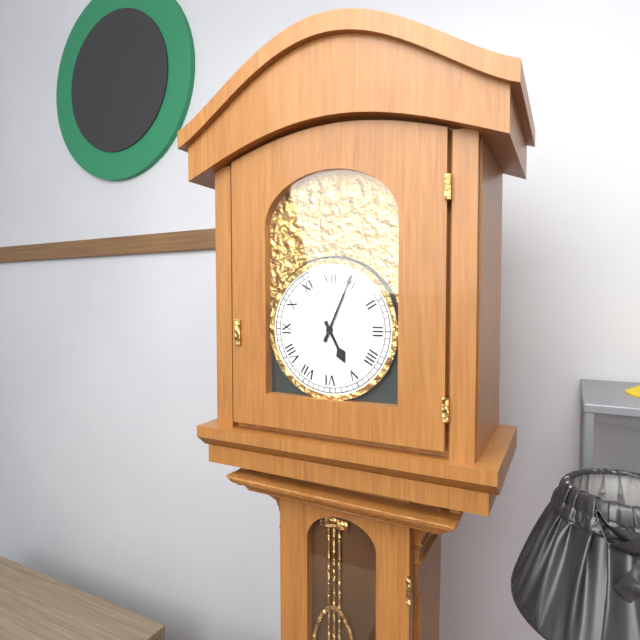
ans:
**5:04**
